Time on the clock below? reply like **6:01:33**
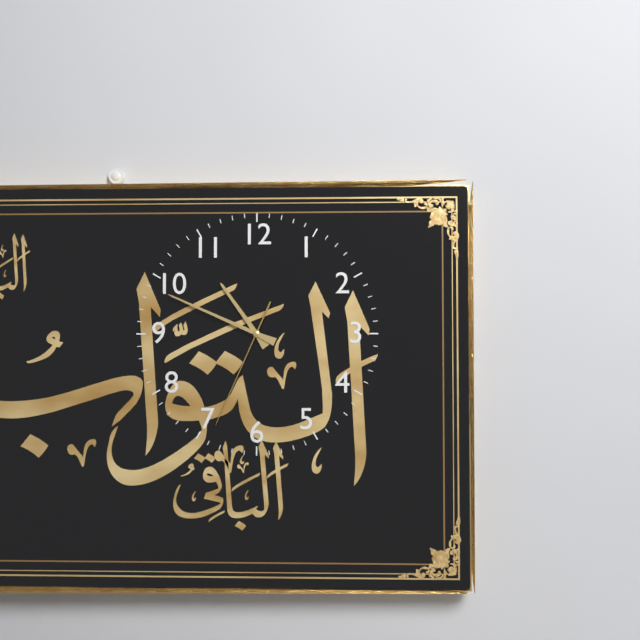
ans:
**10:49:34**
